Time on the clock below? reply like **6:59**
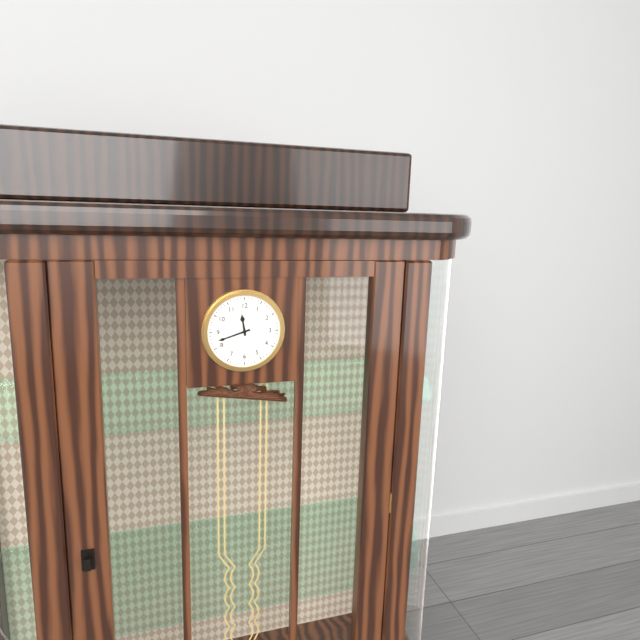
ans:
**11:42**
